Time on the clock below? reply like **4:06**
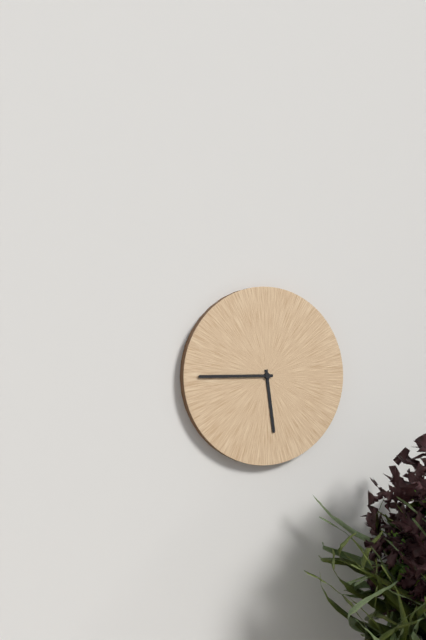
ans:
**5:45**
